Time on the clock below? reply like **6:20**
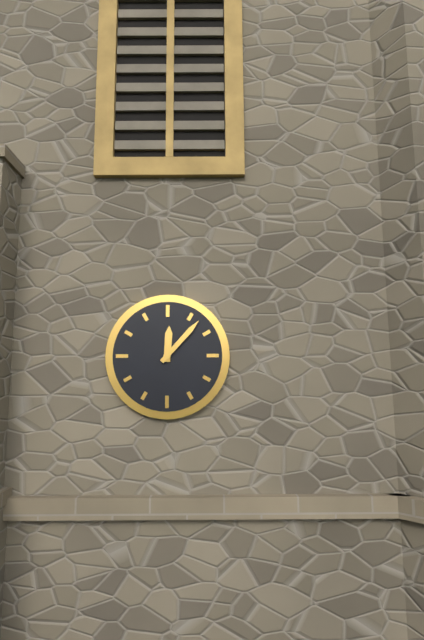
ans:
**12:07**
